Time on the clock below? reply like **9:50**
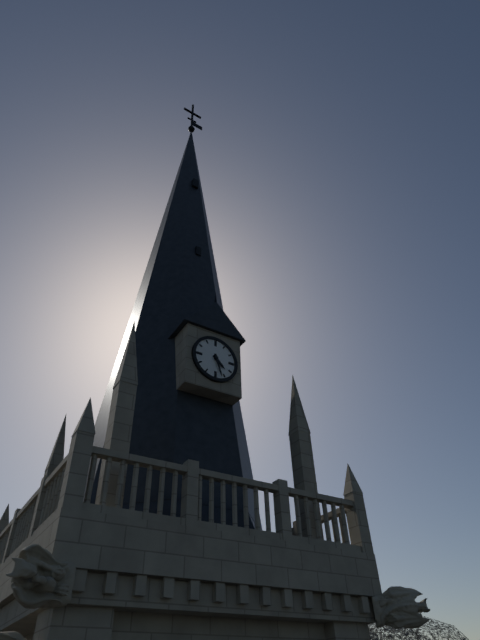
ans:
**4:27**
